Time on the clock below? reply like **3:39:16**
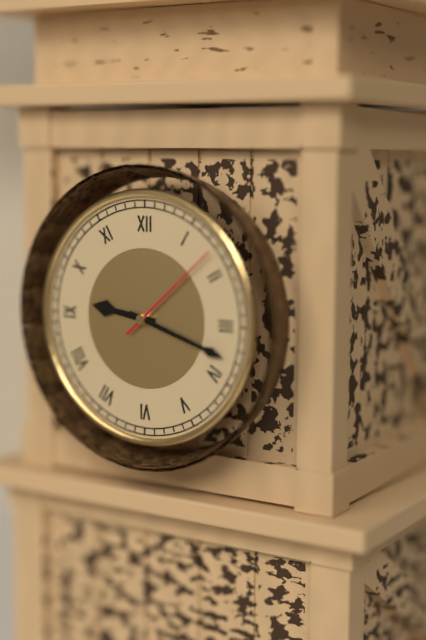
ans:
**9:18:08**
